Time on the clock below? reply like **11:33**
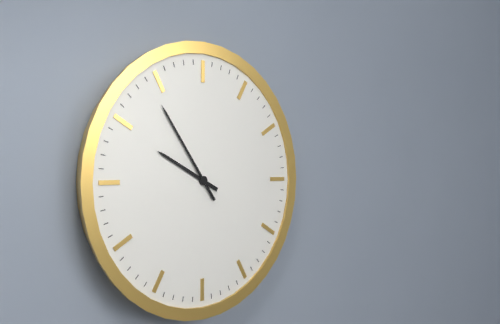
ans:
**9:54**
